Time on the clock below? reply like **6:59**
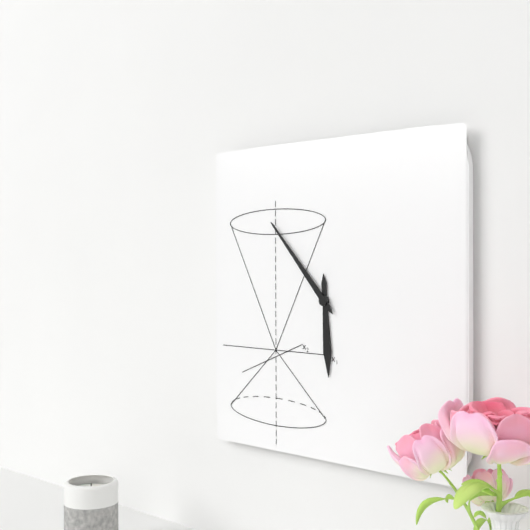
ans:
**5:53**
